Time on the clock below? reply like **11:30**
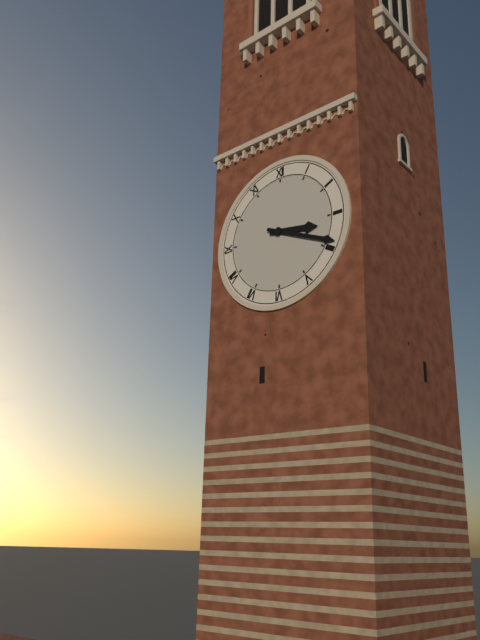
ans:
**3:19**
